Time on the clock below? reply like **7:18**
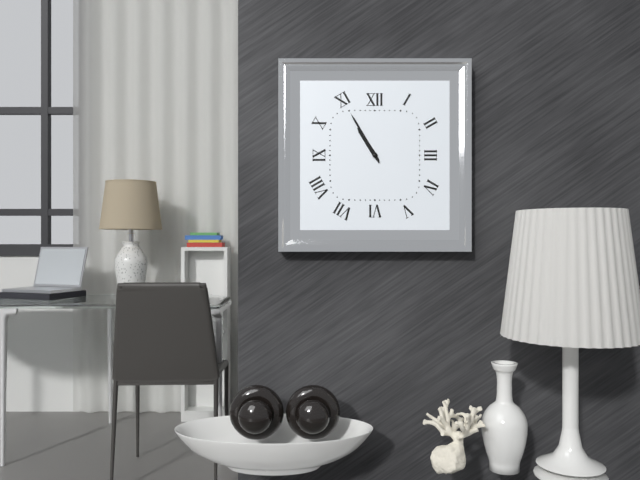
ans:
**10:55**
